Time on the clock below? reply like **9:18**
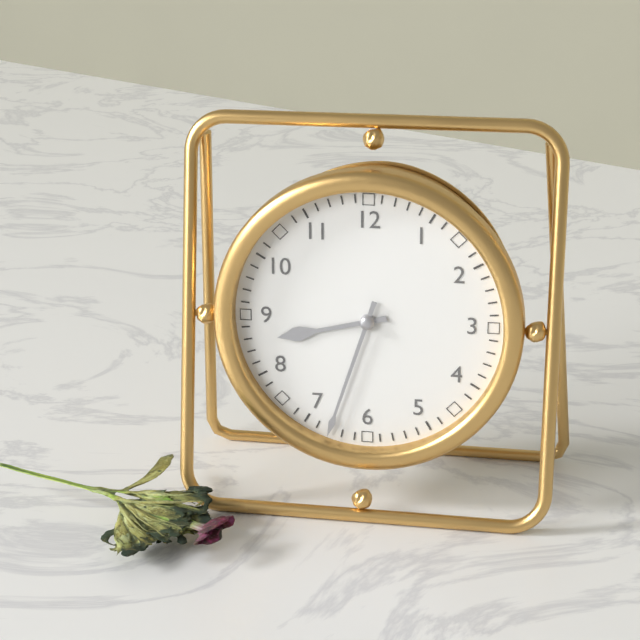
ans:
**8:33**
